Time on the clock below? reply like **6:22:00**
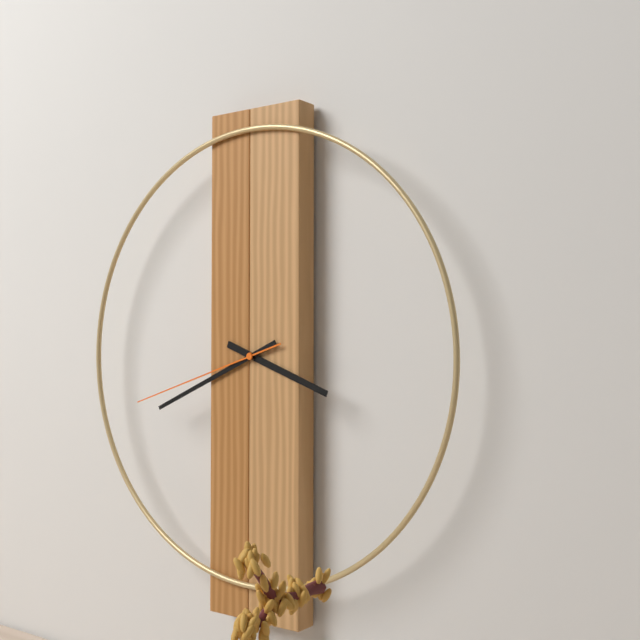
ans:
**3:41:42**
